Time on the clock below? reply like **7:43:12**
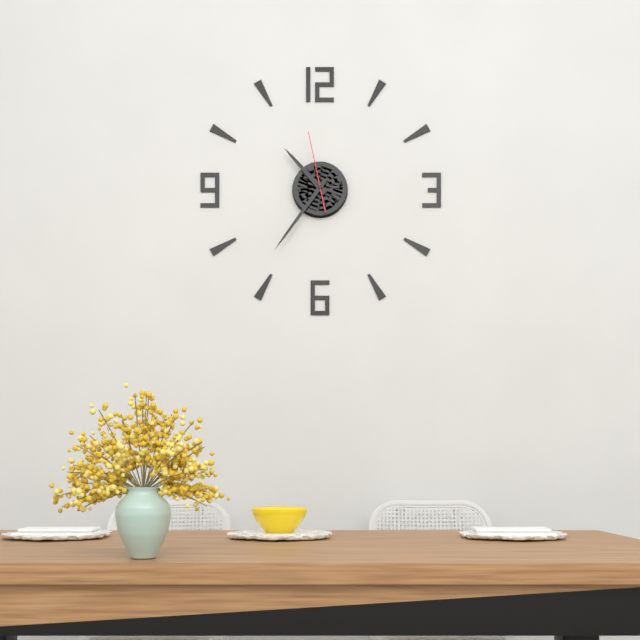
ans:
**10:36:58**
